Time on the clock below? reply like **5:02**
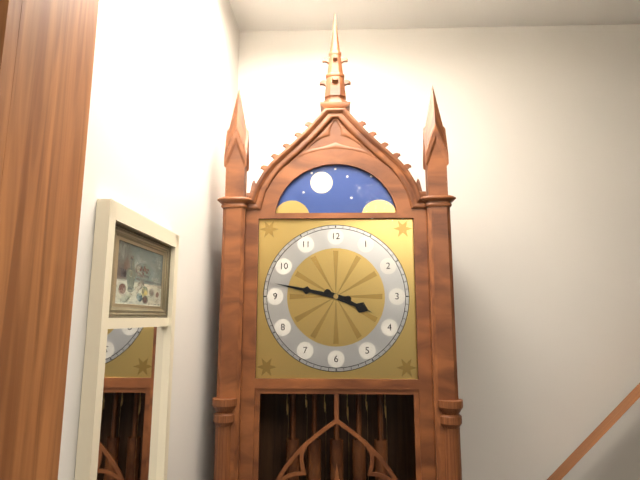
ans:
**3:47**
